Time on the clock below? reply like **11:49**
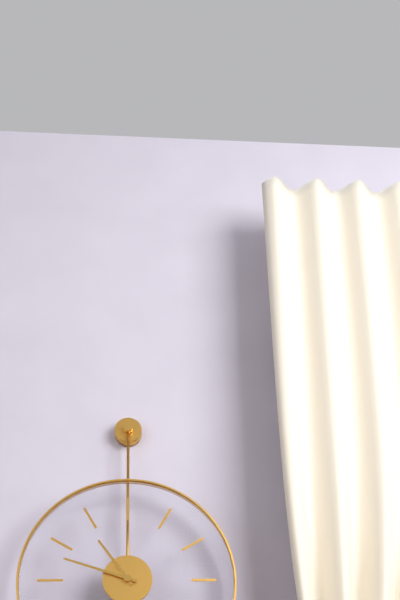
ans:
**10:48**
